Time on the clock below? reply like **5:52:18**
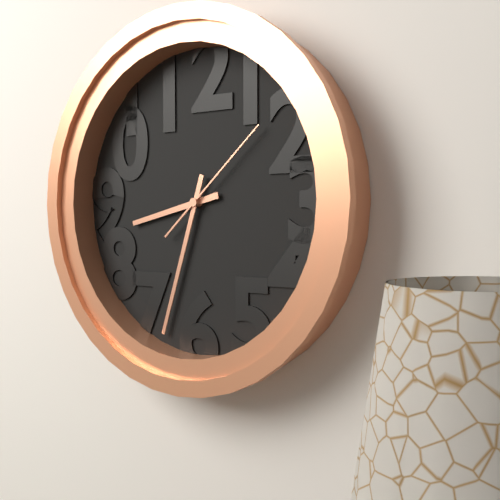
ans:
**8:33:08**
